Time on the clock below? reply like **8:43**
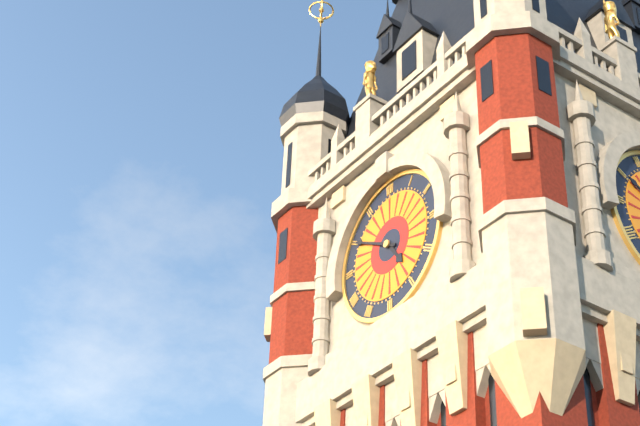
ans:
**4:50**
